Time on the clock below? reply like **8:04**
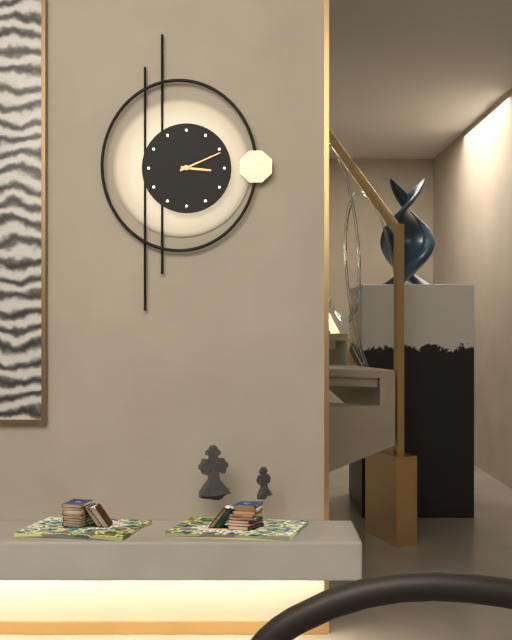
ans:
**3:11**
